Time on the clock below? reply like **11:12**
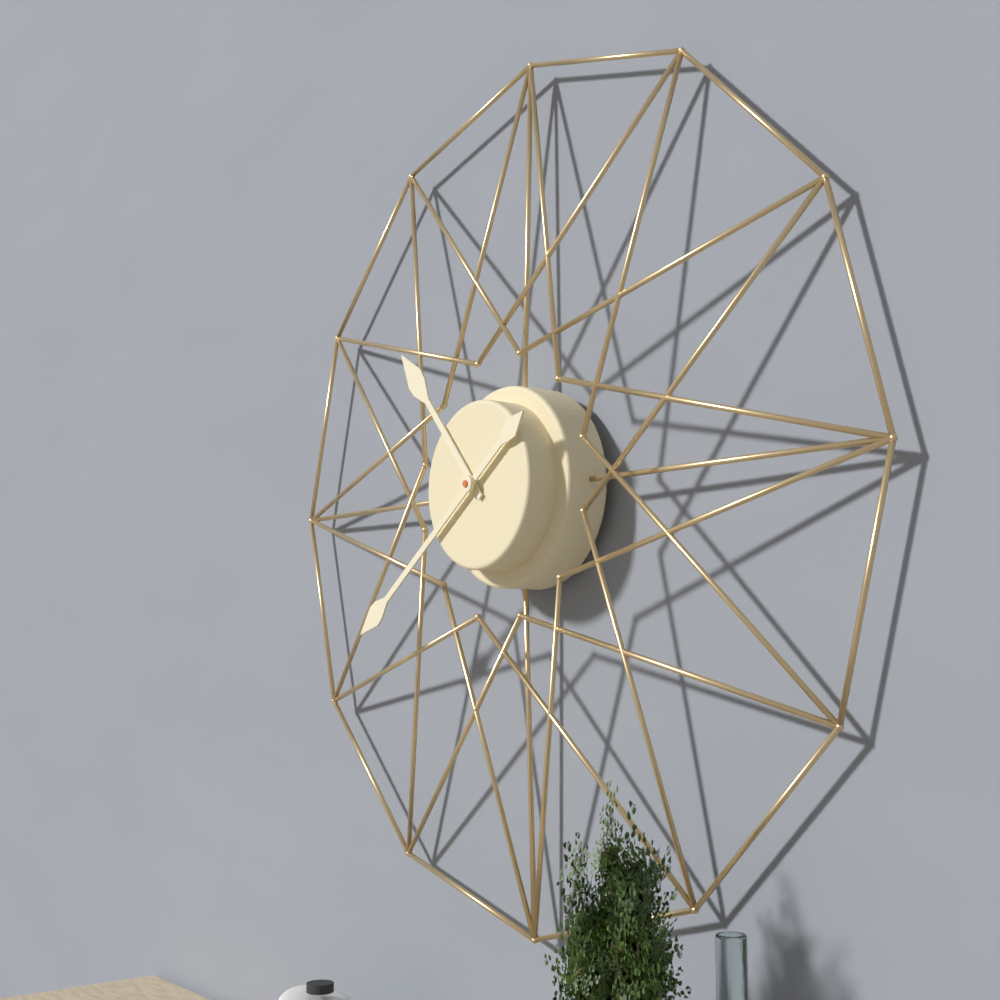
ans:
**10:39**
